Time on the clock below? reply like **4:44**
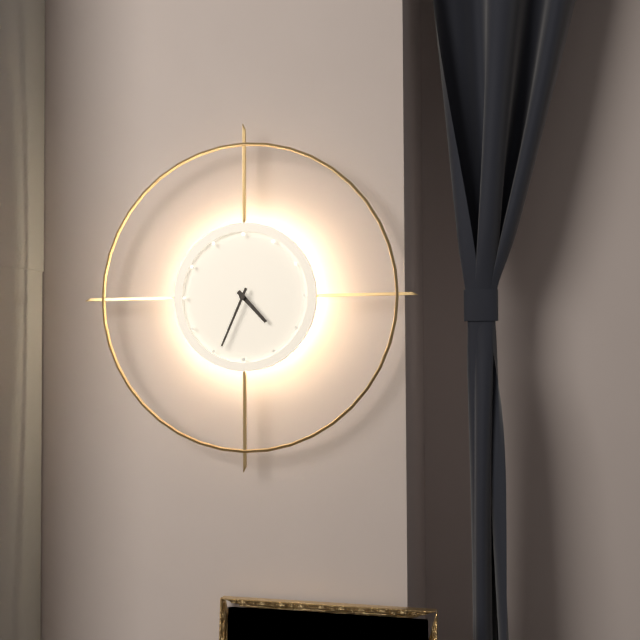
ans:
**4:34**
